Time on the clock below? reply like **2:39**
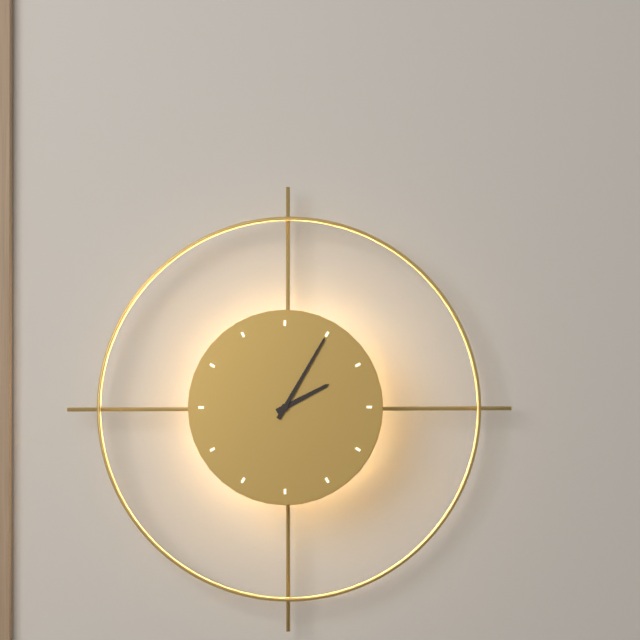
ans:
**2:05**
